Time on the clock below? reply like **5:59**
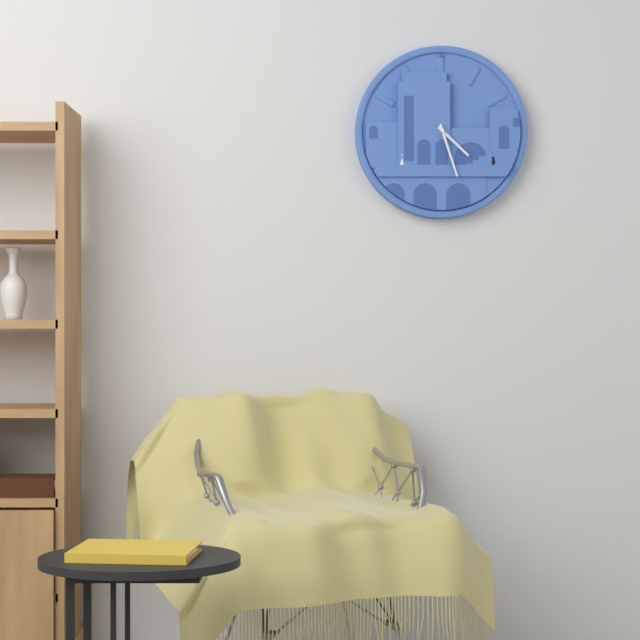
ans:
**4:27**
